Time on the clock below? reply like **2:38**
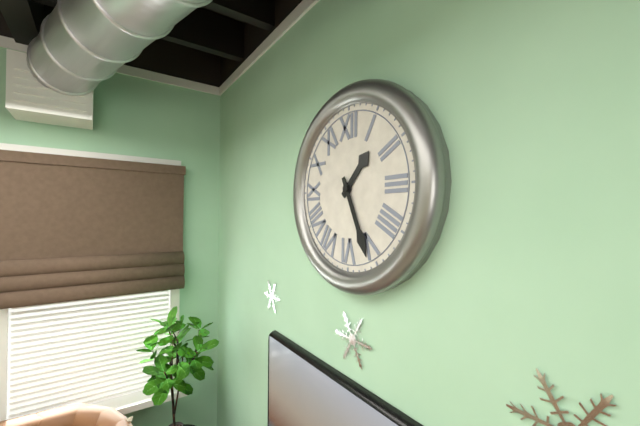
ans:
**1:26**
